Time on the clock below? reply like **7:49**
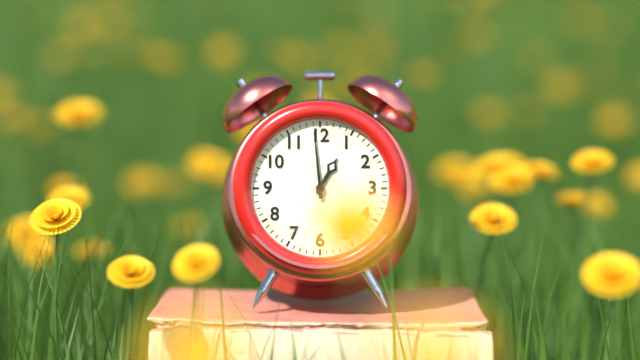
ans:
**12:59**
